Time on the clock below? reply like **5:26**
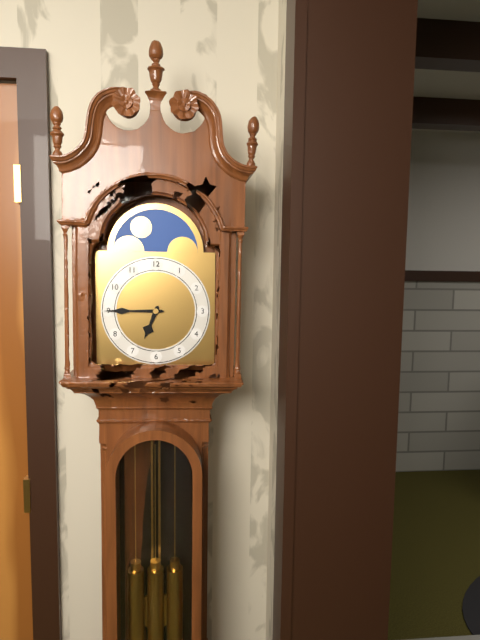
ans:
**6:45**
